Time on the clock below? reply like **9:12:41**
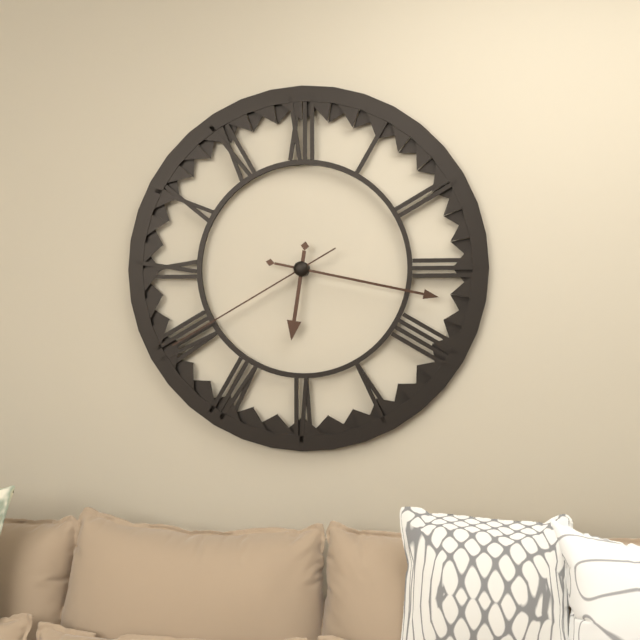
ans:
**6:17:40**
